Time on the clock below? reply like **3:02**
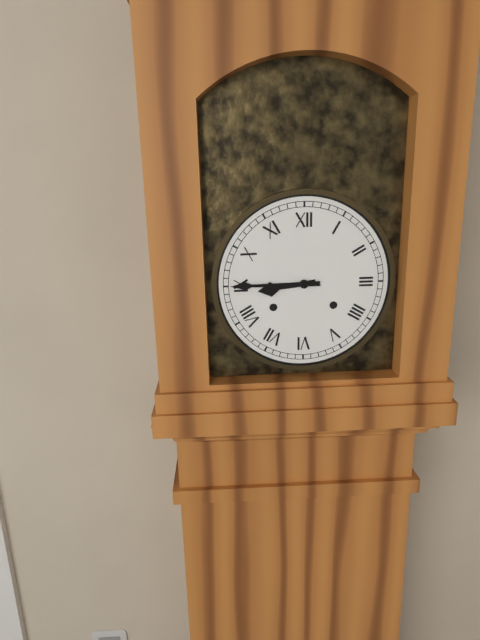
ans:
**8:45**
